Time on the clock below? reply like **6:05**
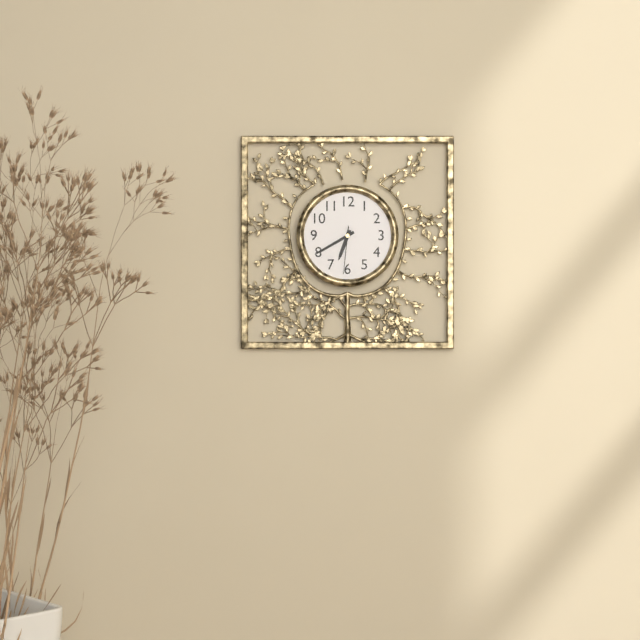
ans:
**6:40**
